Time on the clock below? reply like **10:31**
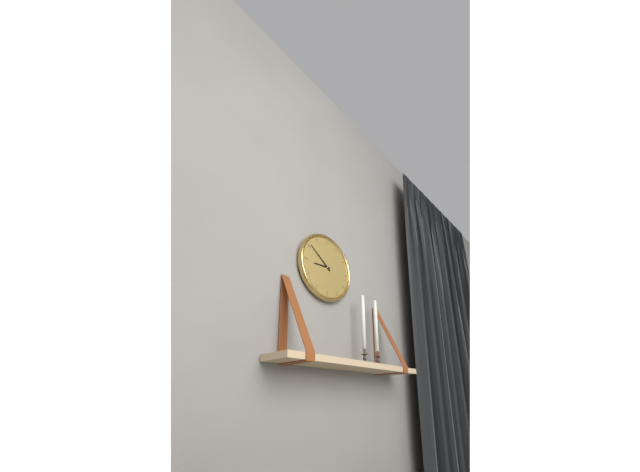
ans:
**8:51**
